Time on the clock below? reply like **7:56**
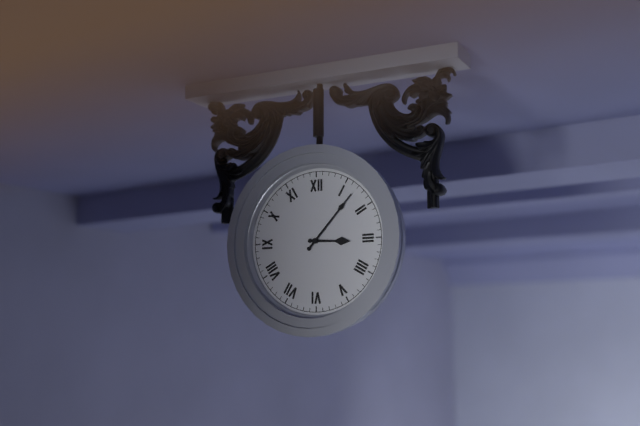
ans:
**3:07**
